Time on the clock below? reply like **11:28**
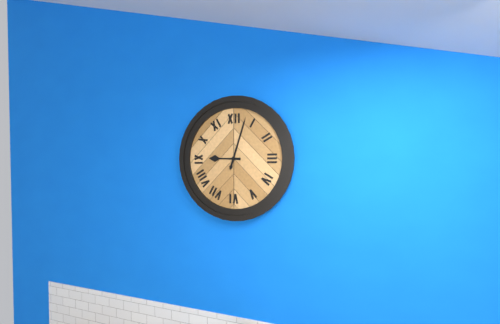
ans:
**9:03**
